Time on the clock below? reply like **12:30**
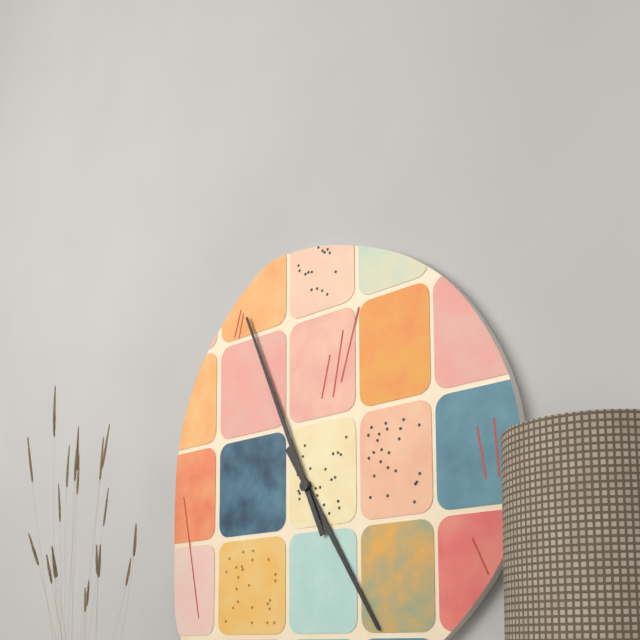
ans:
**4:56**
